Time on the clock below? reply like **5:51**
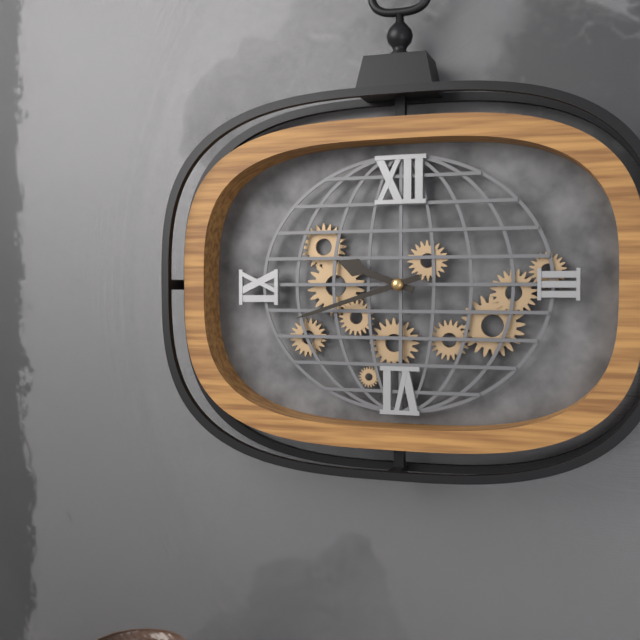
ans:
**9:42**
